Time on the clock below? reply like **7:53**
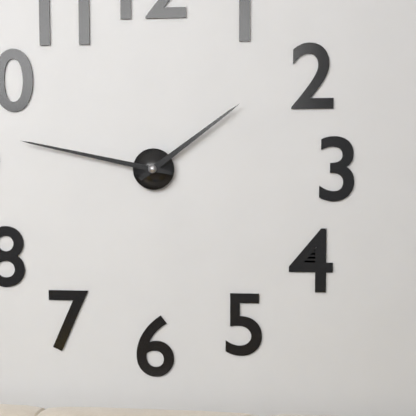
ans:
**1:47**
